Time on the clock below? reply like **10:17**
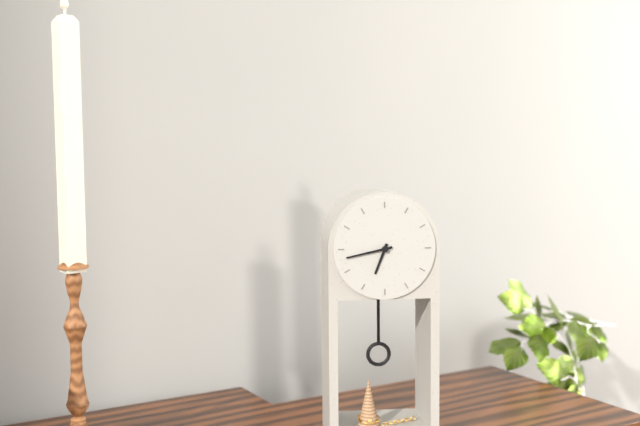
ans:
**6:43**
